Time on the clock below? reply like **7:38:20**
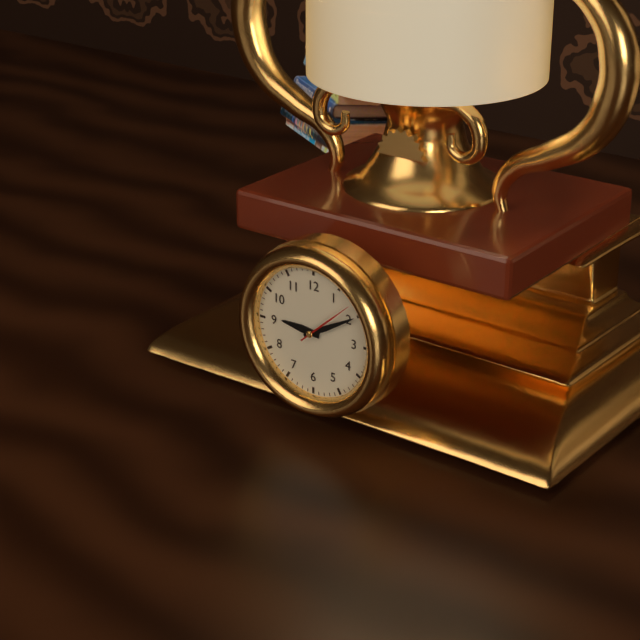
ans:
**9:10:08**
